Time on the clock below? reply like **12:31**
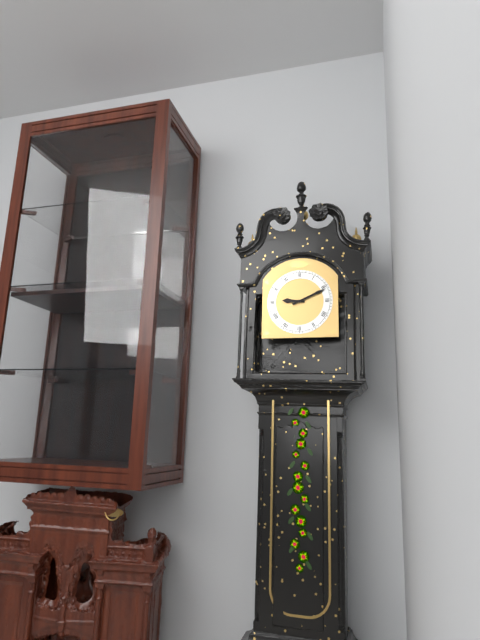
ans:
**9:11**
